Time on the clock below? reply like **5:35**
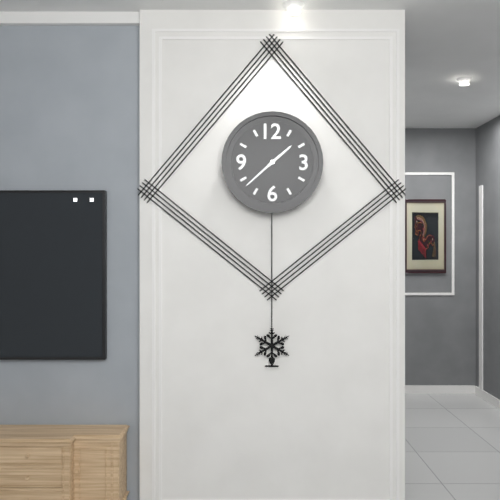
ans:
**1:38**
